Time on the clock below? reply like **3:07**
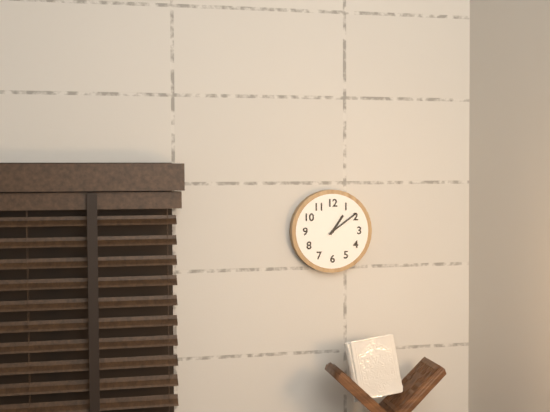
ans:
**1:09**
